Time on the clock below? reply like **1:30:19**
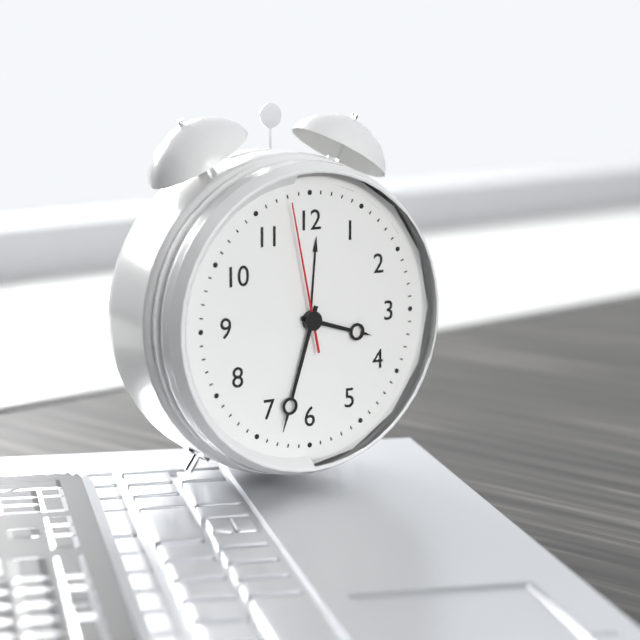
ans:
**3:33:58**
